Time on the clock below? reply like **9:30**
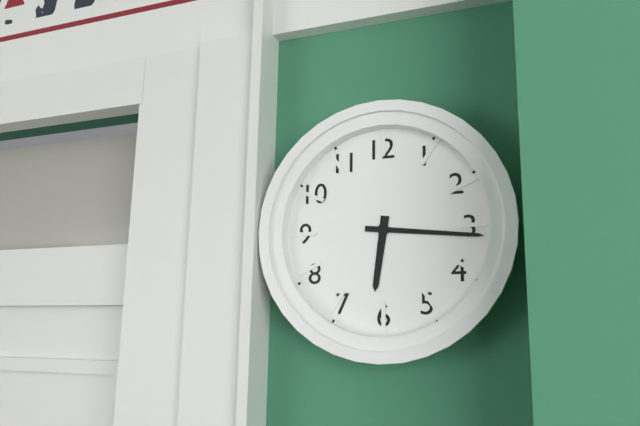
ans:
**6:16**
